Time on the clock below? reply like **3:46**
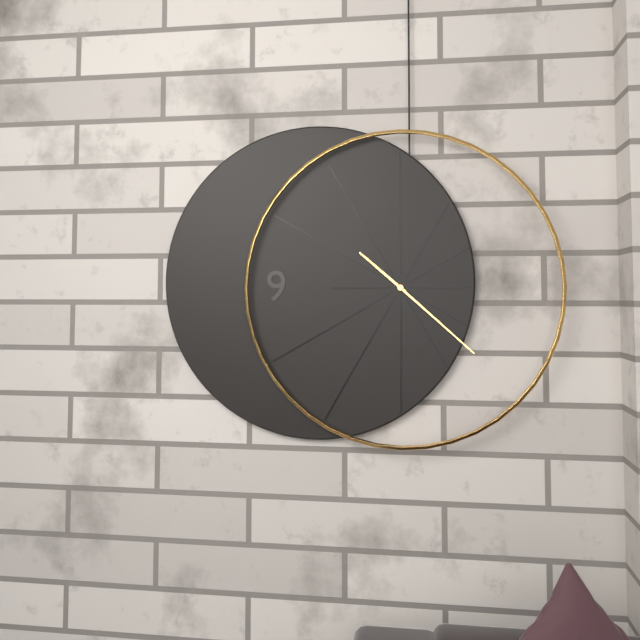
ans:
**10:22**
